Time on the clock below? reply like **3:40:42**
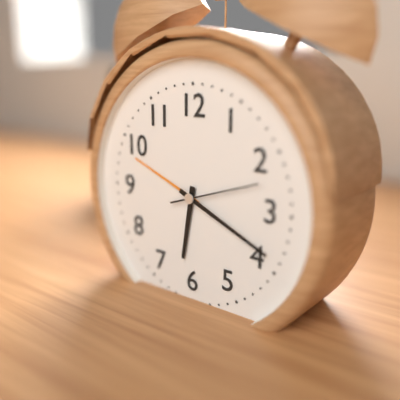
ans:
**6:19:12**
